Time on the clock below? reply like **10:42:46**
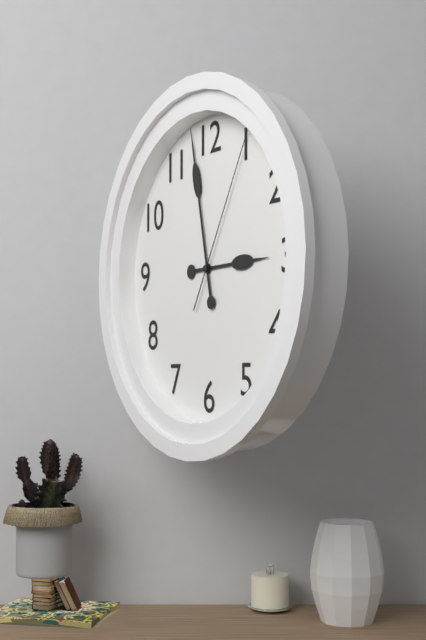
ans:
**2:58:05**
